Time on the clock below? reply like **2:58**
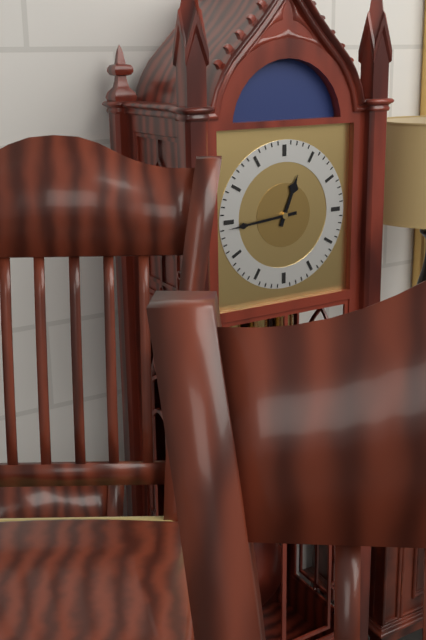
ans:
**12:44**
